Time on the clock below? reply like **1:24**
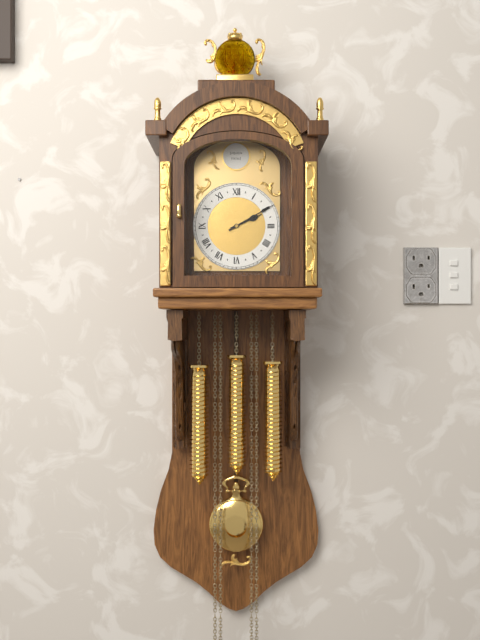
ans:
**2:10**
